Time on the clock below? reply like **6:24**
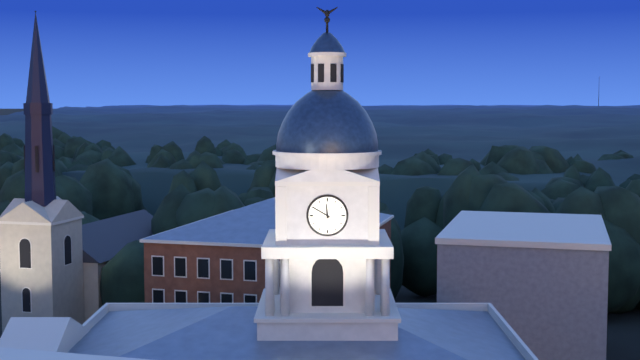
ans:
**11:50**
